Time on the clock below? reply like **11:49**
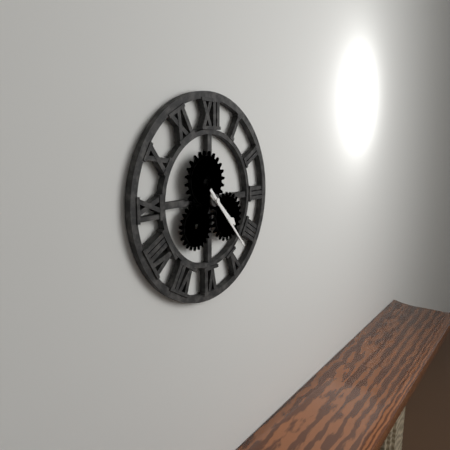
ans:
**4:23**
